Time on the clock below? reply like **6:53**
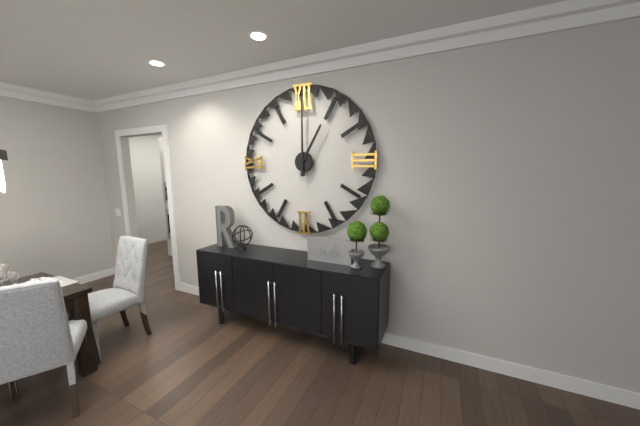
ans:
**1:00**
